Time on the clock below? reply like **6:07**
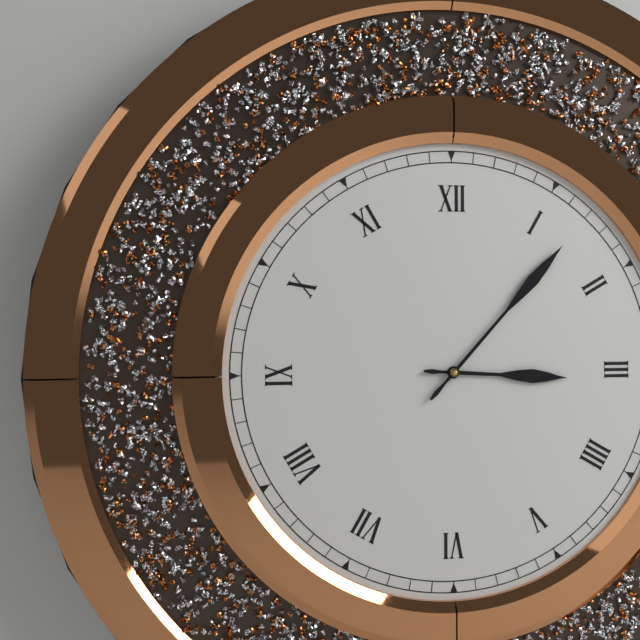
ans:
**3:07**
